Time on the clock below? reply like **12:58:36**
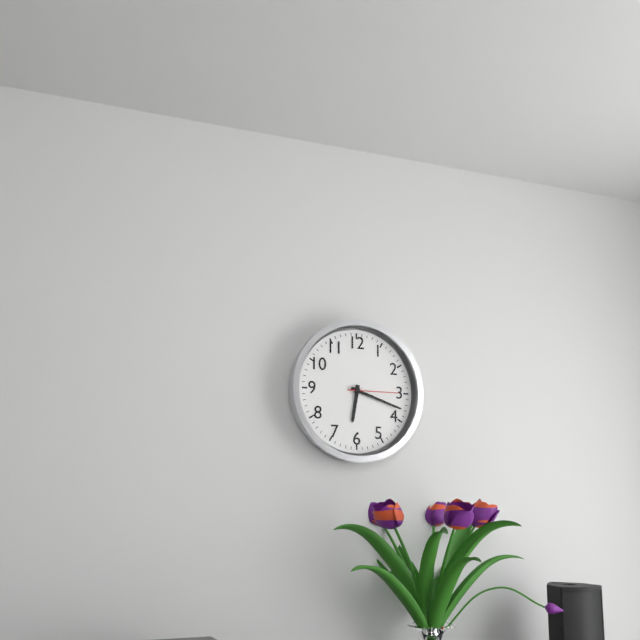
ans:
**6:18:15**
